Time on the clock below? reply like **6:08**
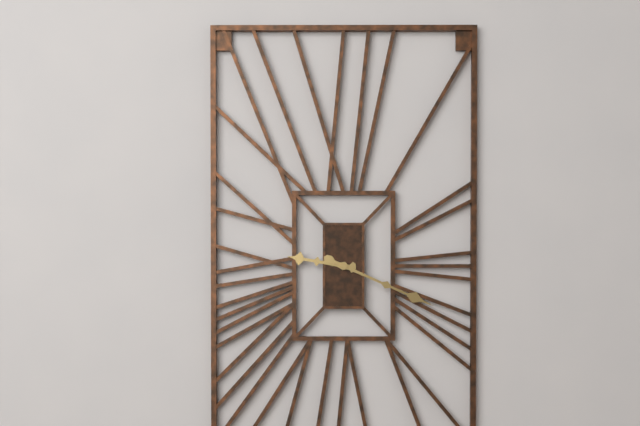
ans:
**9:19**
